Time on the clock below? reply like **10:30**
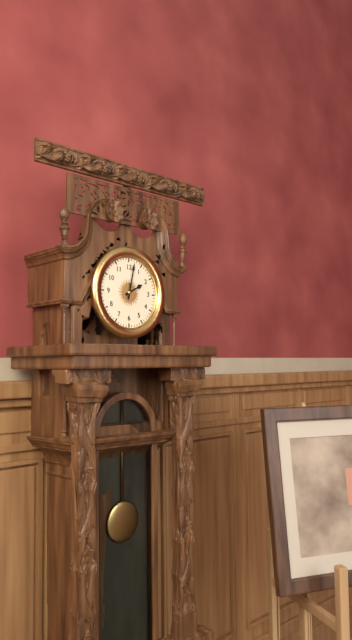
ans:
**2:02**
